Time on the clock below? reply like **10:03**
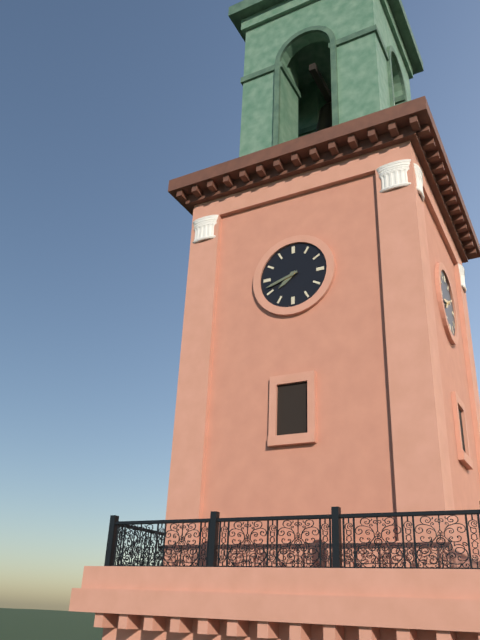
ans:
**7:42**
